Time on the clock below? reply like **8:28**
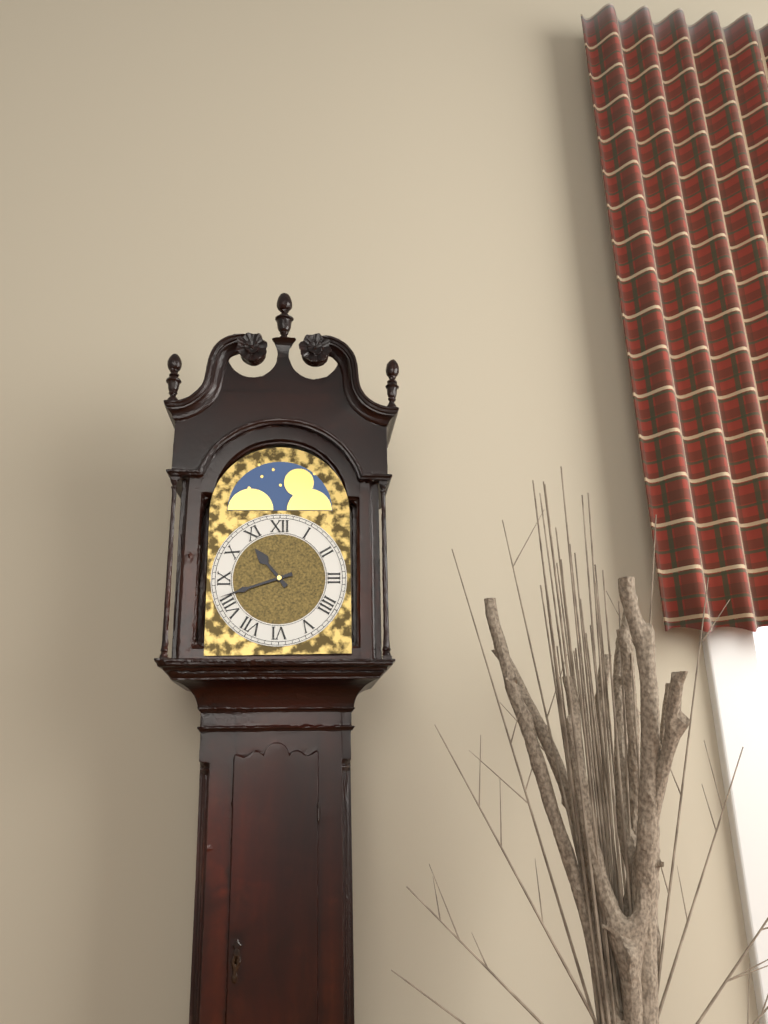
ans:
**10:42**
